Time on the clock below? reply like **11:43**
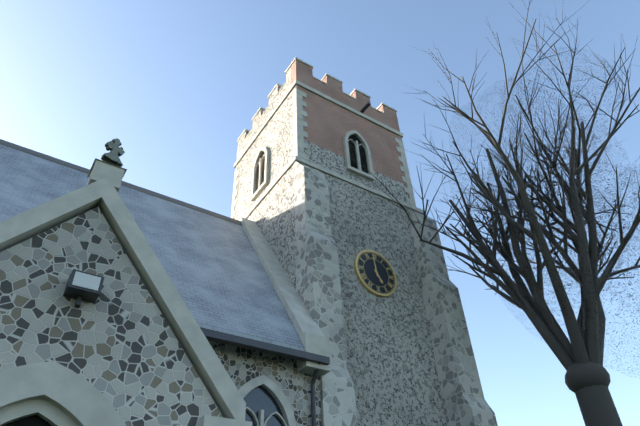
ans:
**4:59**
